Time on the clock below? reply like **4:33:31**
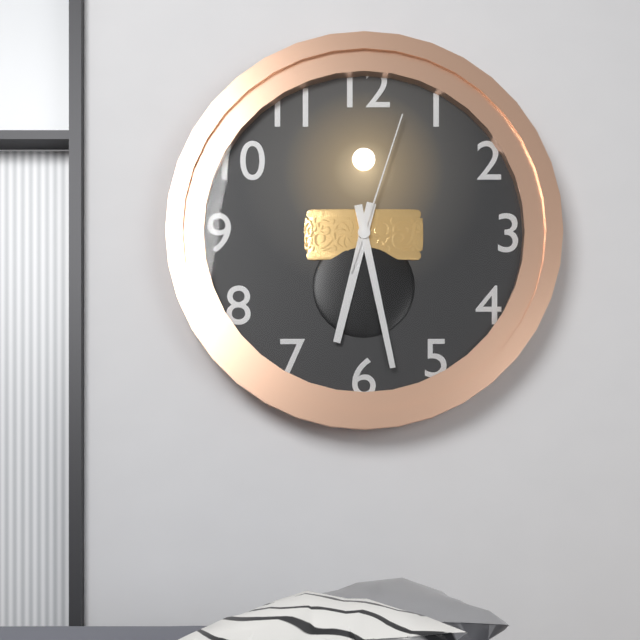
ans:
**6:28:03**
